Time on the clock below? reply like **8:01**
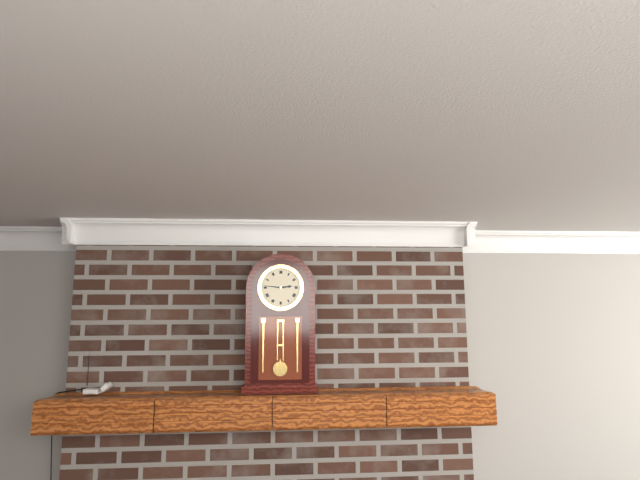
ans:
**2:46**
